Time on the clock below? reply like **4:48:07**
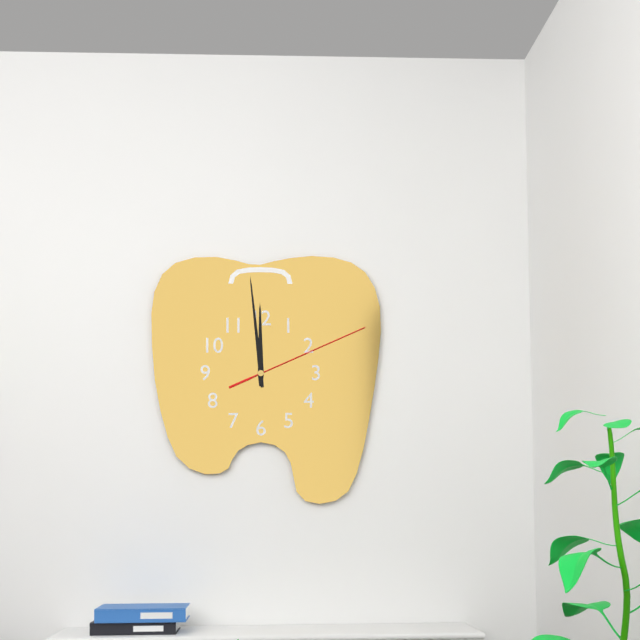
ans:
**11:59:11**
